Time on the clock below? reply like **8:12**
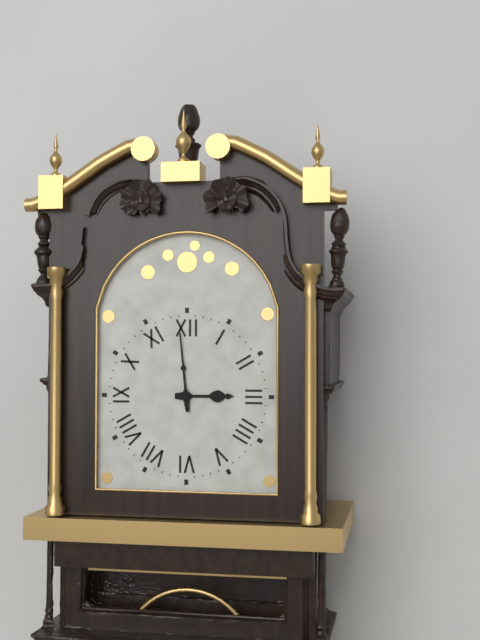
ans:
**2:59**
